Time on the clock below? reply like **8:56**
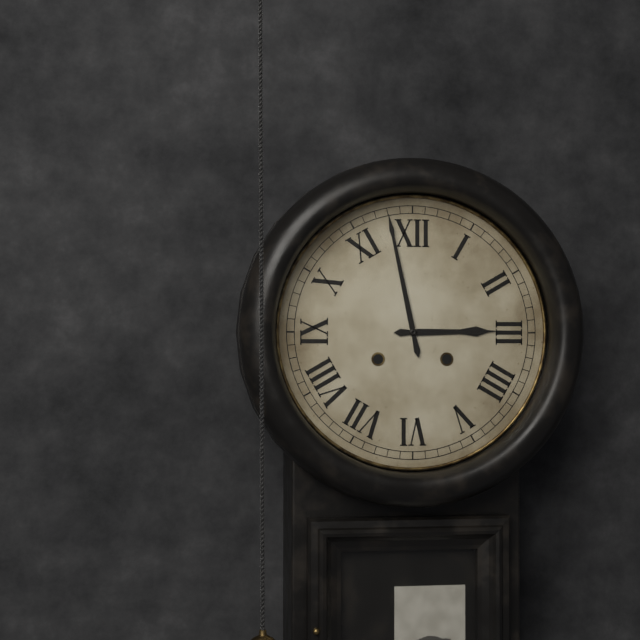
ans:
**2:58**
